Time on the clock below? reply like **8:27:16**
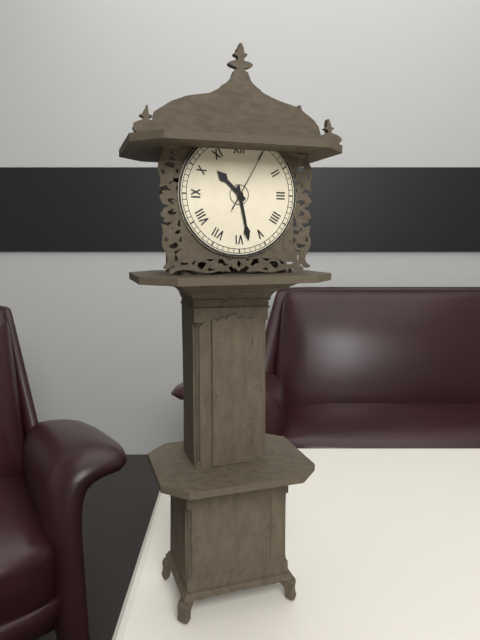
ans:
**10:28:05**
